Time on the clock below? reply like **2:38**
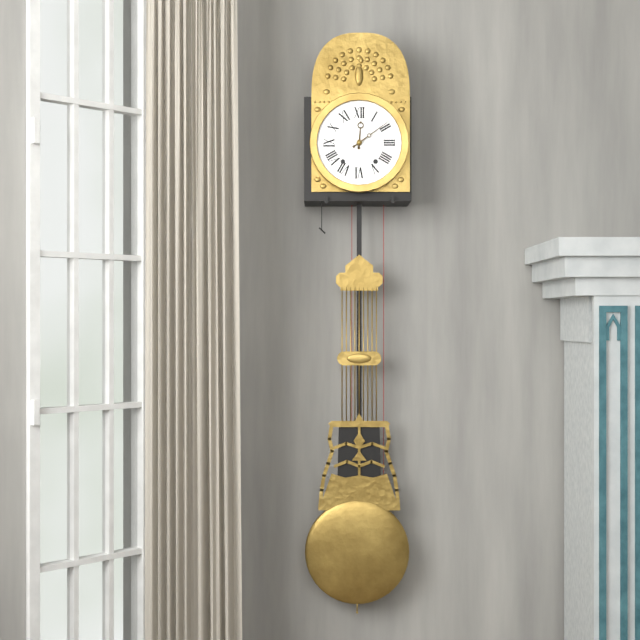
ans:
**12:09**
